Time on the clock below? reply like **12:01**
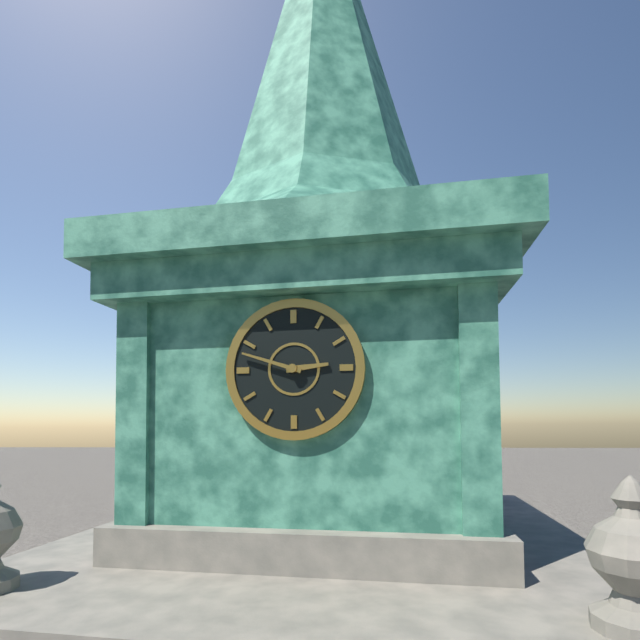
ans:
**2:48**
